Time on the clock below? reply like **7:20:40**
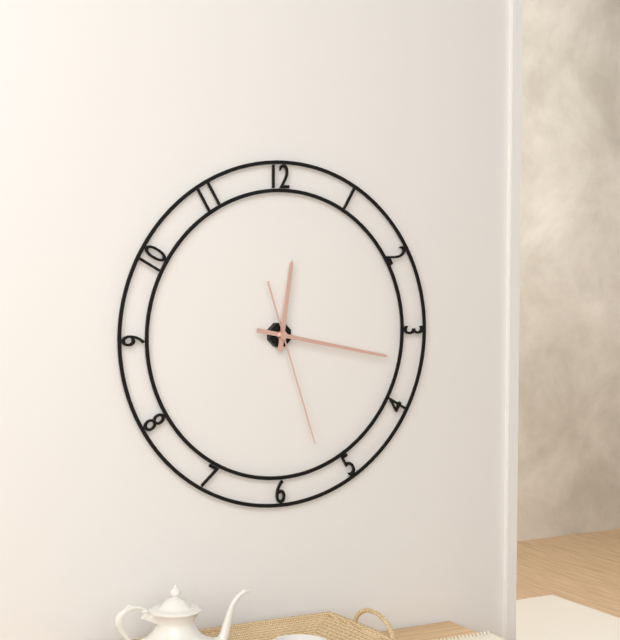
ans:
**12:17:27**
